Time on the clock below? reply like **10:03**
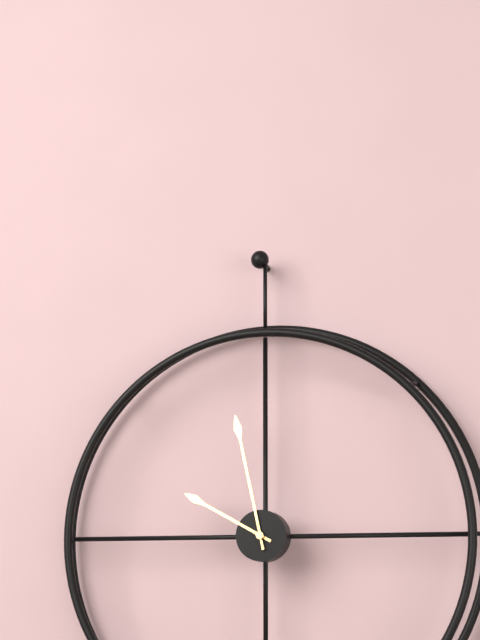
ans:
**9:58**
